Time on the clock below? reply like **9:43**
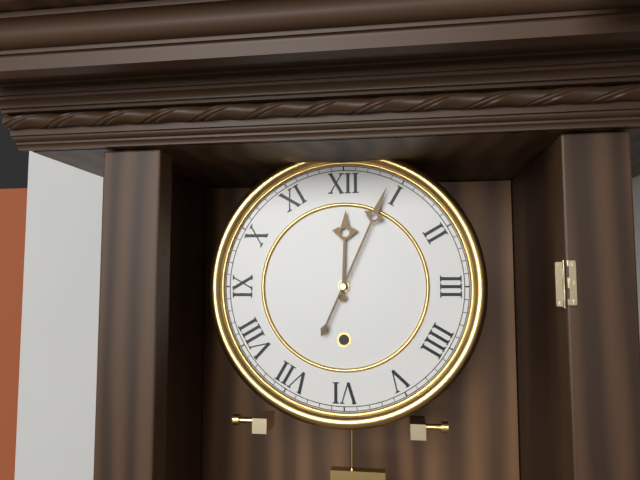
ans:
**12:04**
